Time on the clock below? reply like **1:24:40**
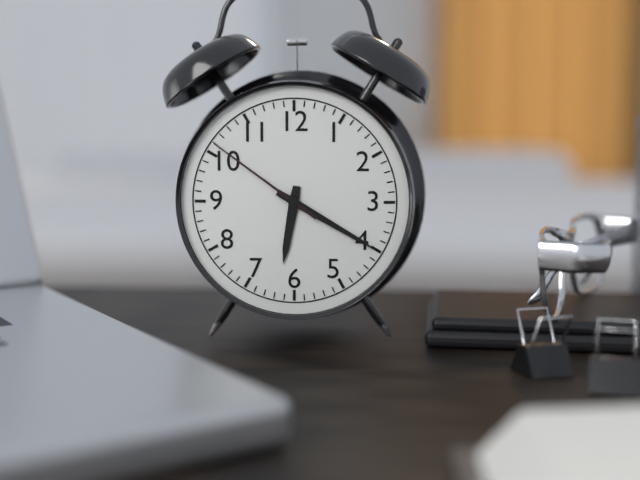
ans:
**6:20:51**
